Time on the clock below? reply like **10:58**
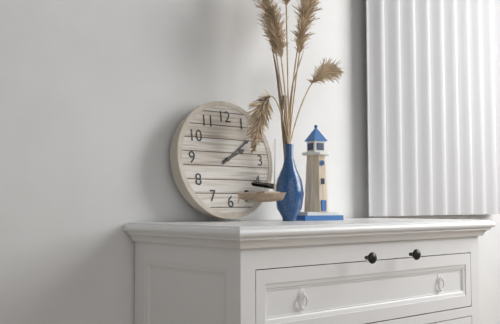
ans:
**2:09**
